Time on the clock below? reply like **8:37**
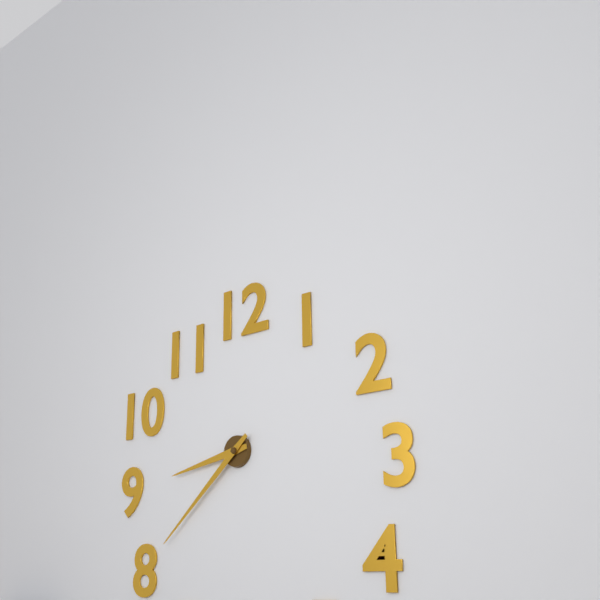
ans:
**8:38**
